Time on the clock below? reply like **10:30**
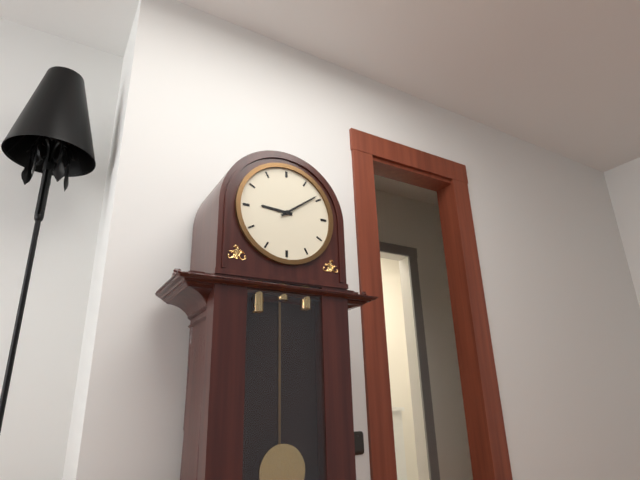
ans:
**9:09**
